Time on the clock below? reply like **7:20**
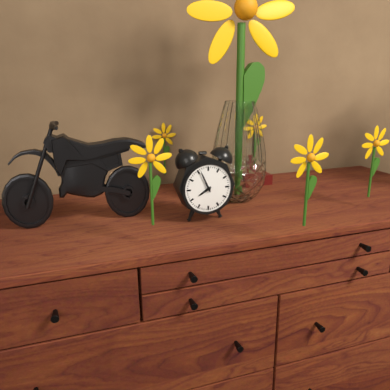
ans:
**7:56**
